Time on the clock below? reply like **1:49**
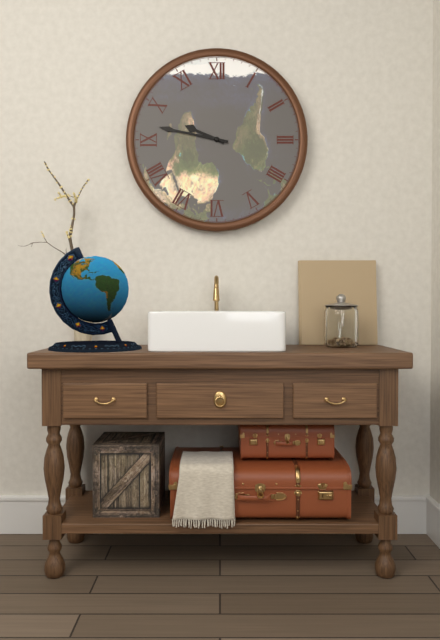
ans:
**9:47**
